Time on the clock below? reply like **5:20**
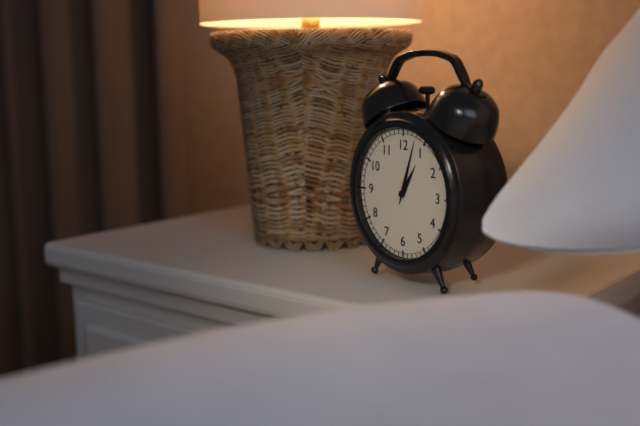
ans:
**1:03**
